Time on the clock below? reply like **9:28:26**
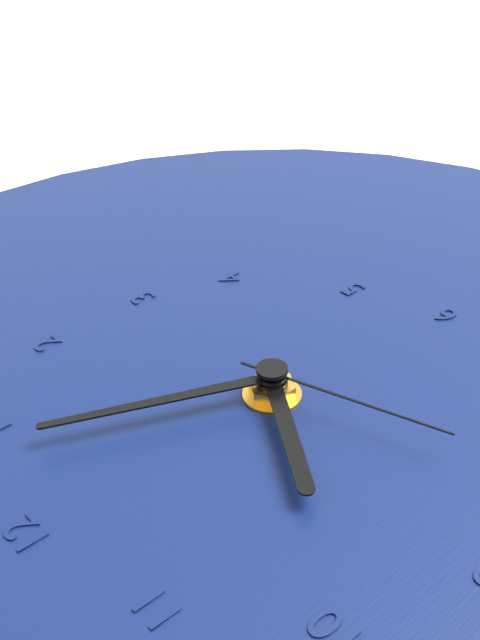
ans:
**10:04:42**
